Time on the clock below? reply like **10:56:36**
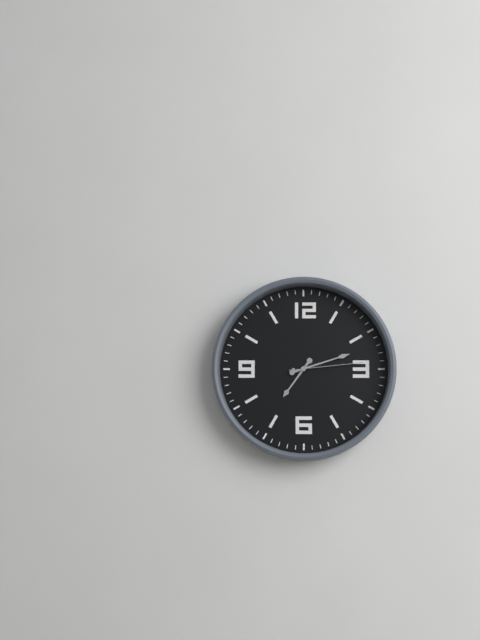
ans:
**7:12:14**
